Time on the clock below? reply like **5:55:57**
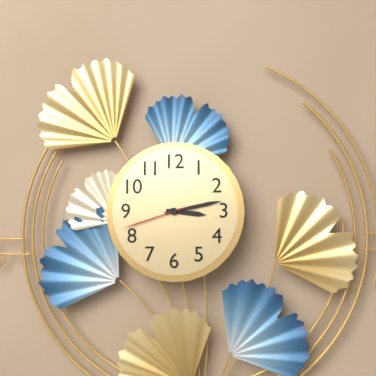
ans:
**3:13:42**
